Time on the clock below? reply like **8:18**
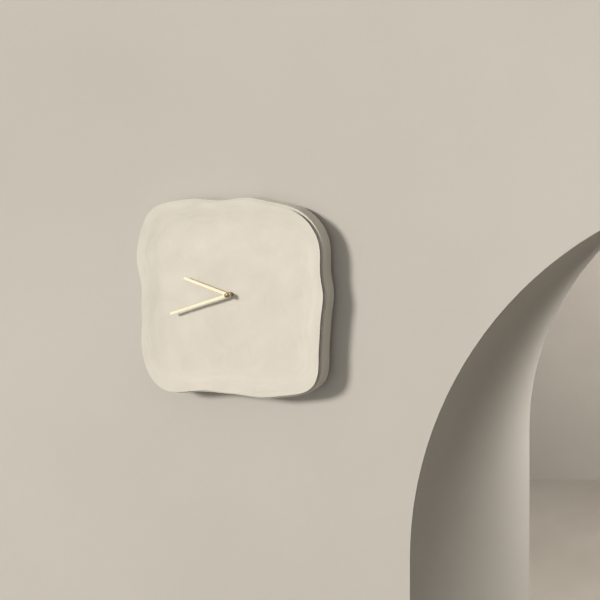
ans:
**9:42**
